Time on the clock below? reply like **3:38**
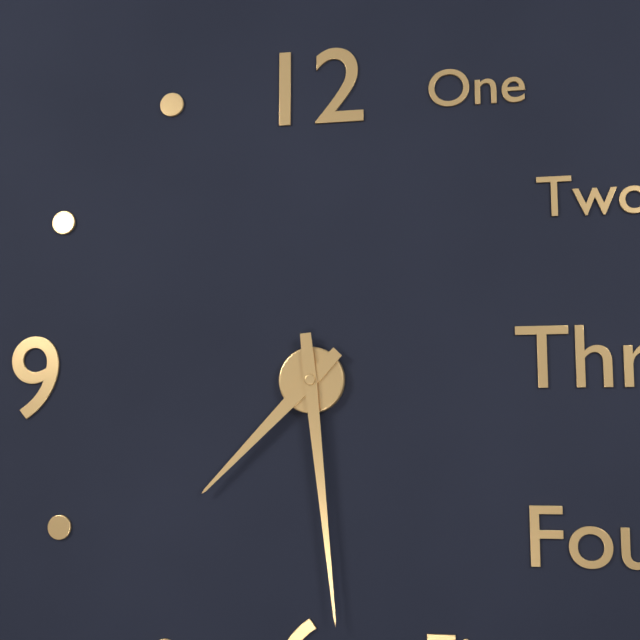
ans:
**7:29**
